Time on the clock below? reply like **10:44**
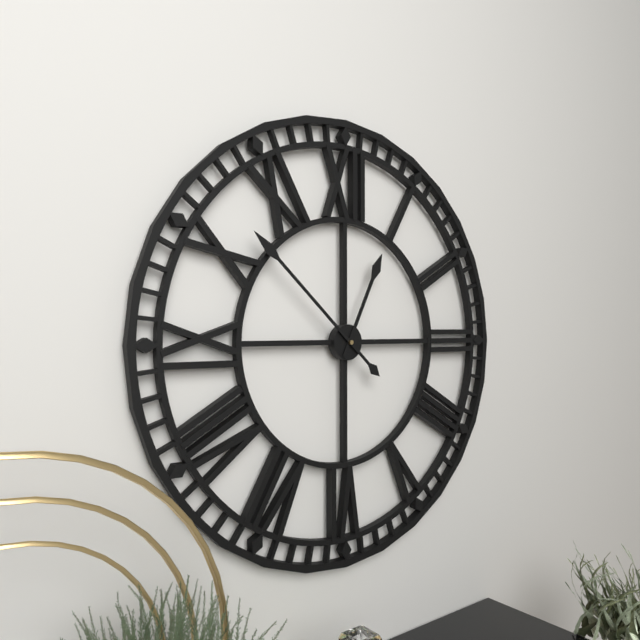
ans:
**12:52**
